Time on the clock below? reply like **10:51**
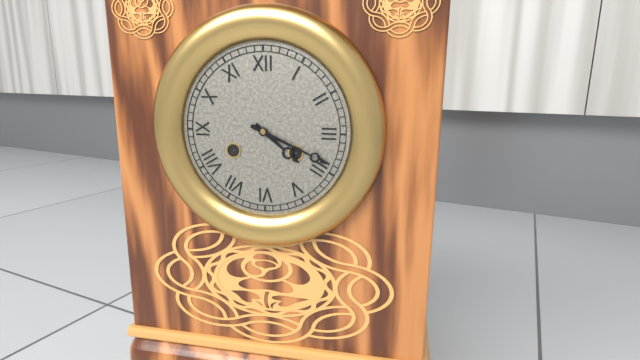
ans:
**4:19**
